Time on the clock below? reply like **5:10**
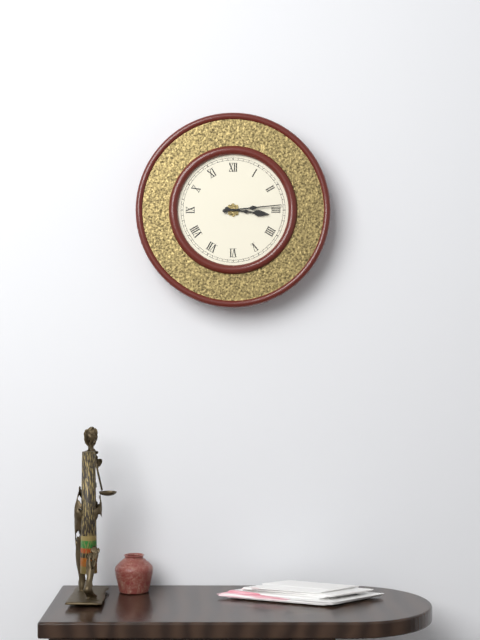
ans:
**3:14**
